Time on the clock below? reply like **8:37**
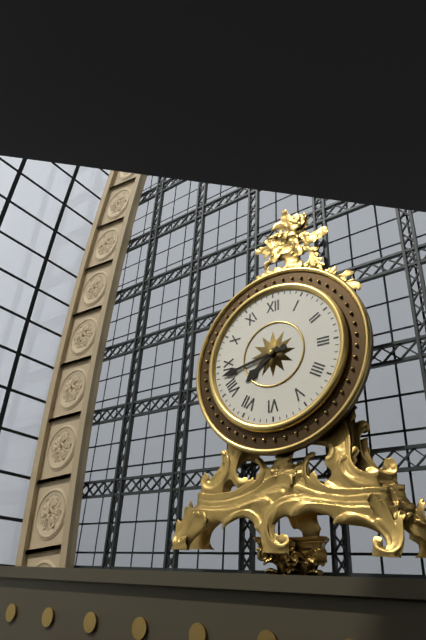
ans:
**7:43**
